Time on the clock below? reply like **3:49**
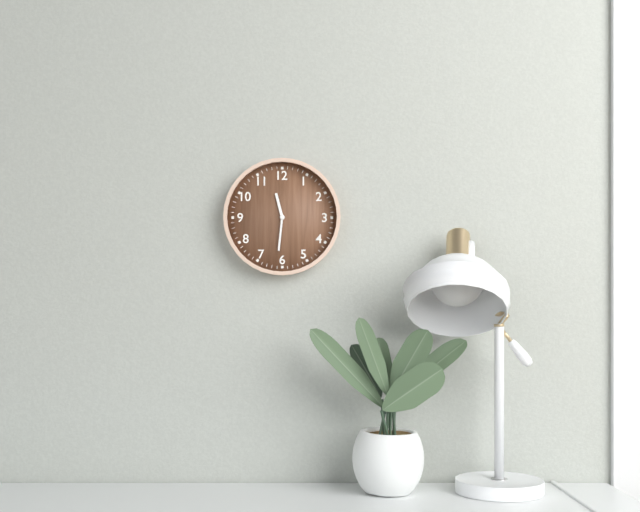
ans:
**11:31**
